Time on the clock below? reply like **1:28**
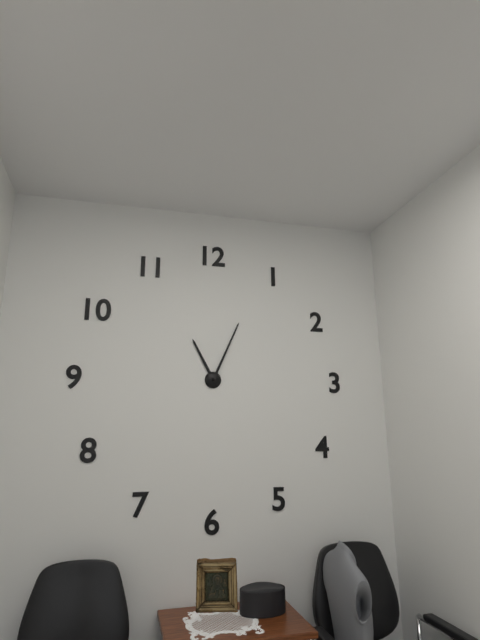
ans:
**11:04**
